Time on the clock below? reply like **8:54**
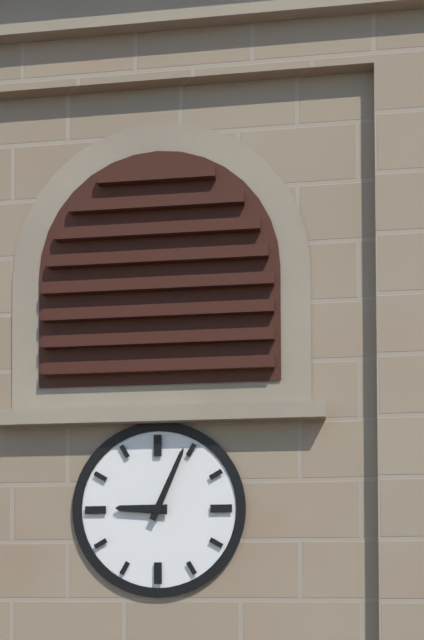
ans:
**9:04**
